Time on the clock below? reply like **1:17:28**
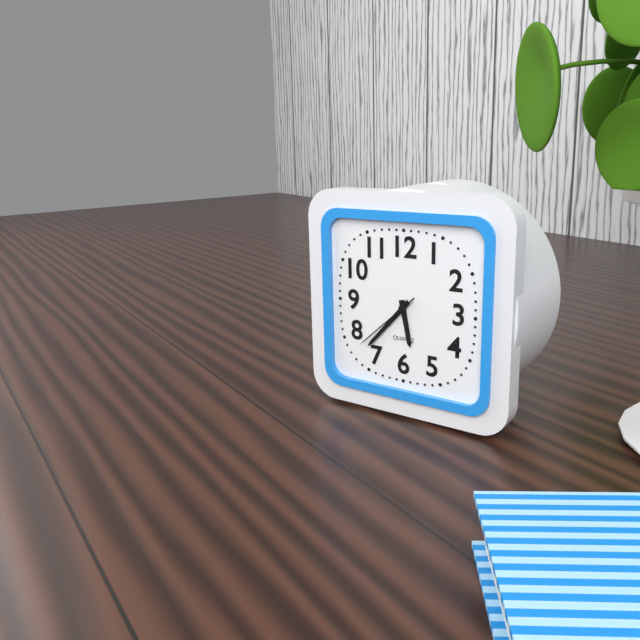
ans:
**5:37:38**
